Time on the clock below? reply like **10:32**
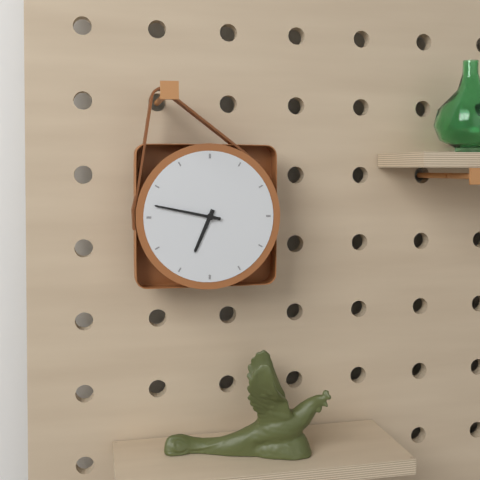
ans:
**6:47**
